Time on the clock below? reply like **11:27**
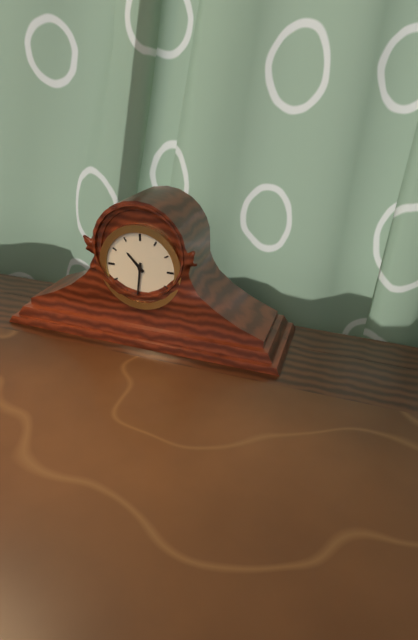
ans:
**10:31**
